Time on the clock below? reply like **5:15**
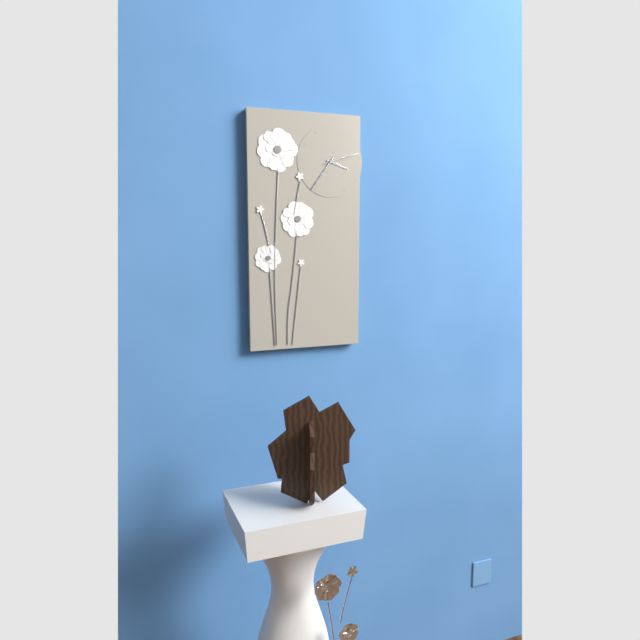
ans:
**3:36**
